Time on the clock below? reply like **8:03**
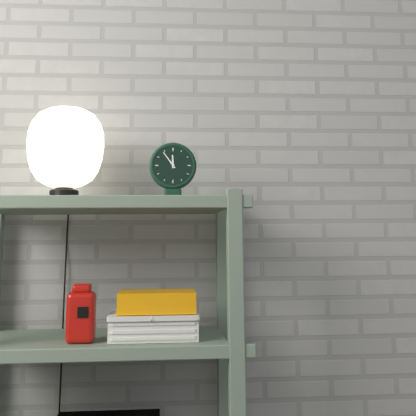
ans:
**11:54**
